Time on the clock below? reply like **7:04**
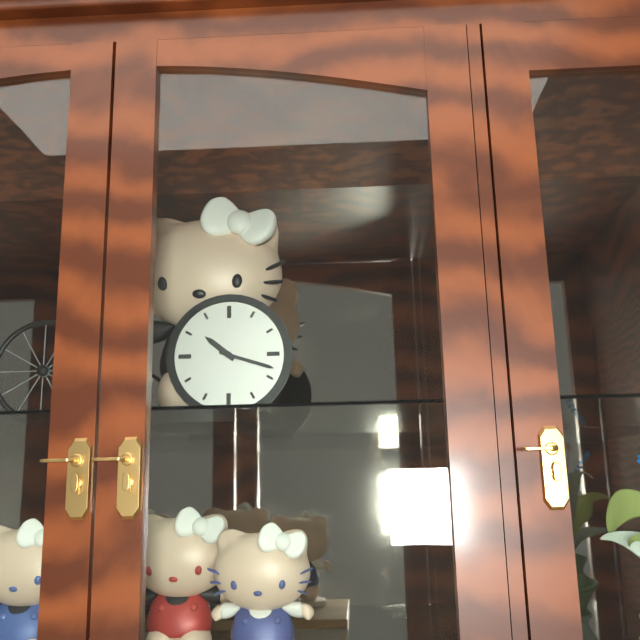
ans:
**10:18**
